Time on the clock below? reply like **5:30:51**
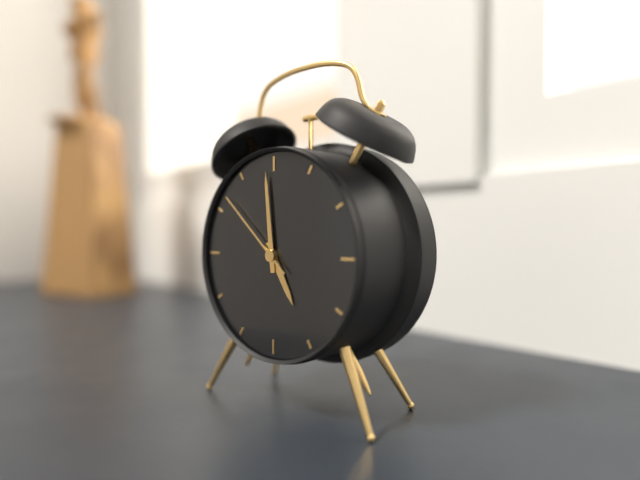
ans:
**4:59:52**
